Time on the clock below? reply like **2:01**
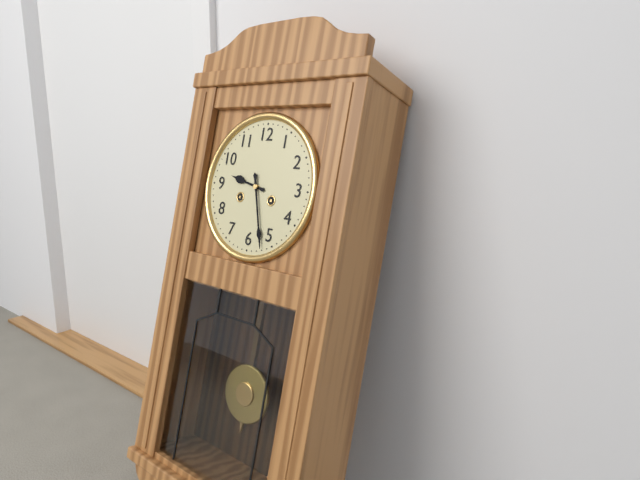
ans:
**9:27**
